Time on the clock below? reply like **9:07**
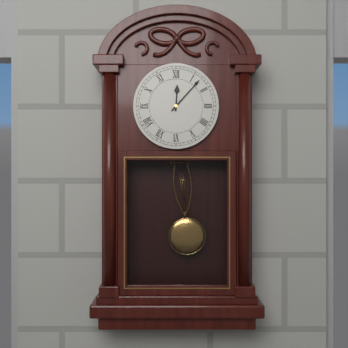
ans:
**12:07**
